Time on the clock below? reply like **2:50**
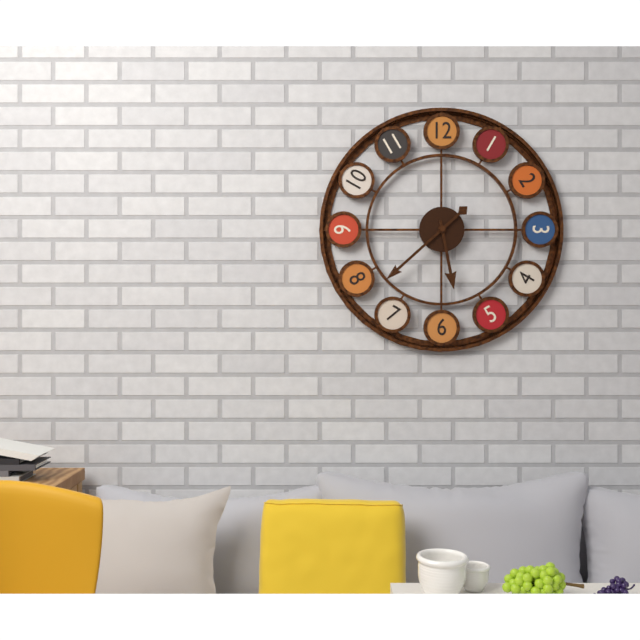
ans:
**5:38**
